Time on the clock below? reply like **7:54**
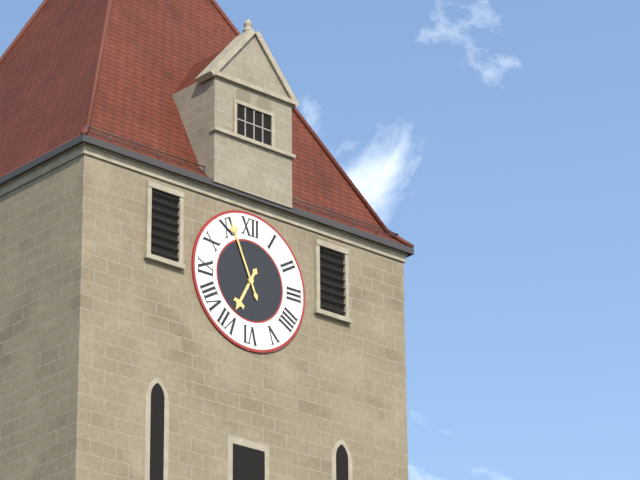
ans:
**6:56**
